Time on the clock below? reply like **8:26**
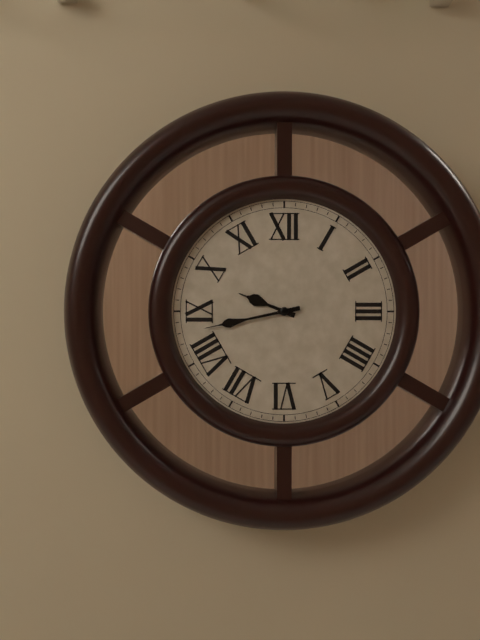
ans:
**9:43**
